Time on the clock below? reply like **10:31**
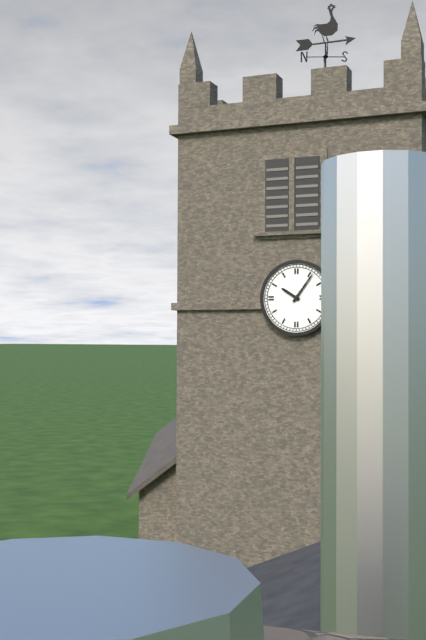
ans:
**10:06**
